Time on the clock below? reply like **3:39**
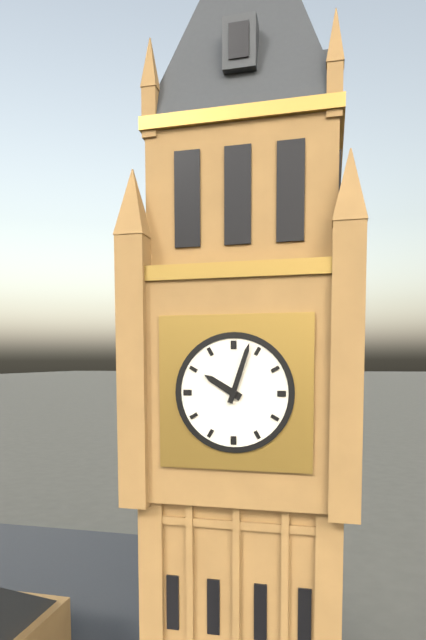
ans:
**10:03**
